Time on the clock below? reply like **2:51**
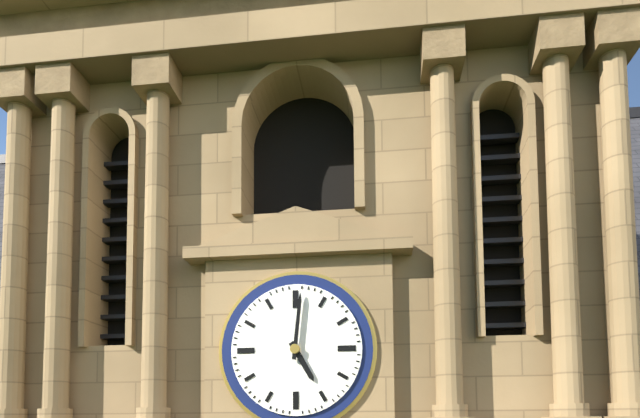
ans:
**5:01**
